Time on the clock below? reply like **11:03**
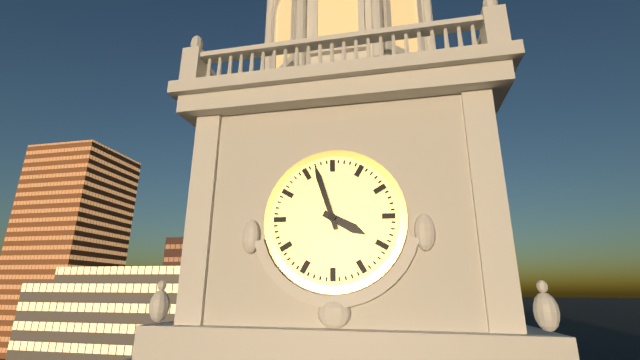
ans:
**3:57**
